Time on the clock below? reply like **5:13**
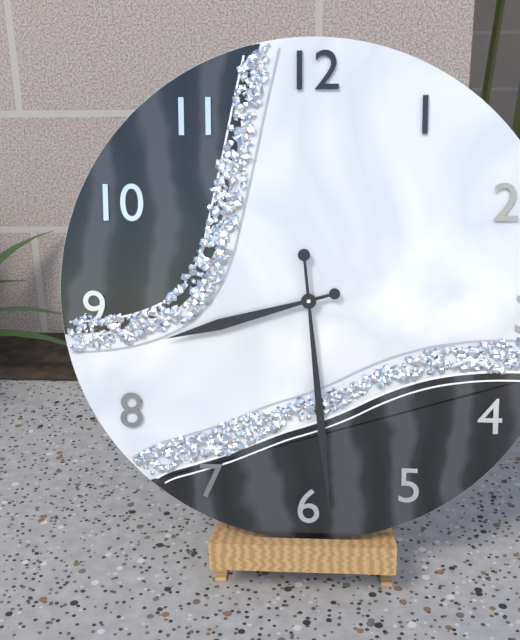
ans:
**8:29**
